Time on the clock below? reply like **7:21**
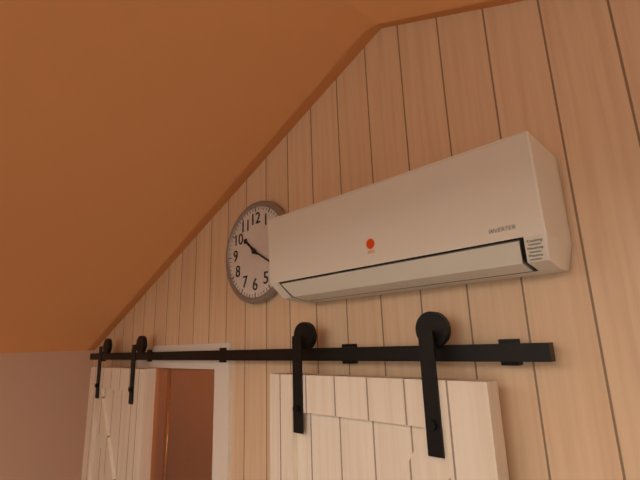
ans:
**10:20**
